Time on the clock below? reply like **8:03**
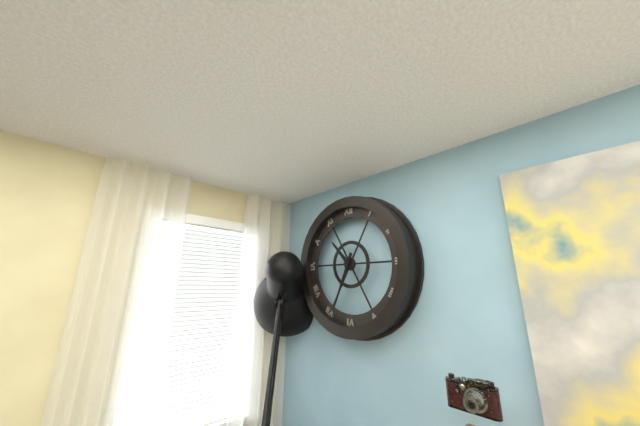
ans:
**10:34**
